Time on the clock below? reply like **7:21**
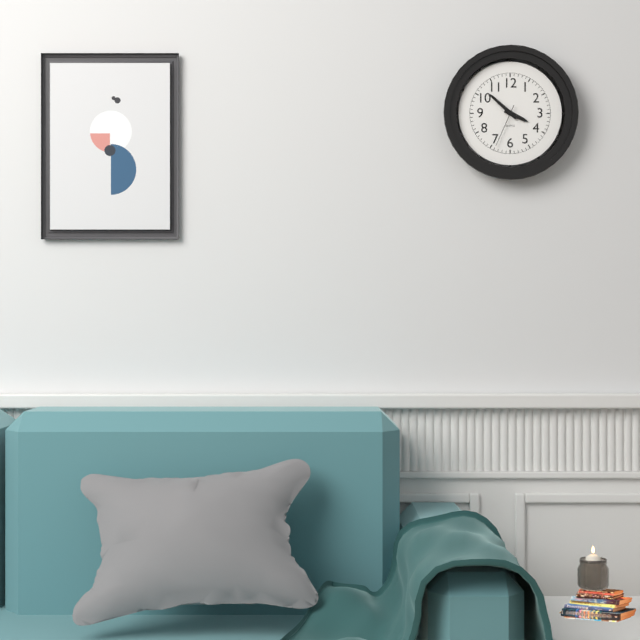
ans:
**3:52**
